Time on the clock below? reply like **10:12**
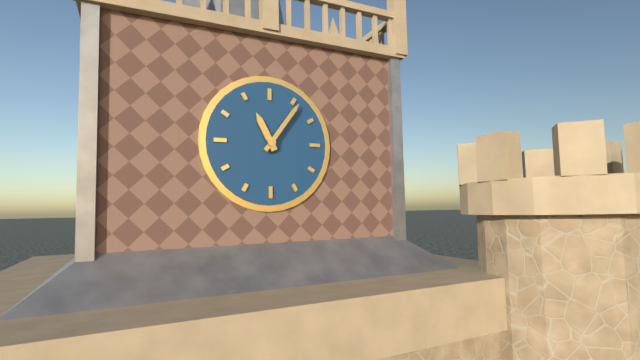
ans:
**11:06**
